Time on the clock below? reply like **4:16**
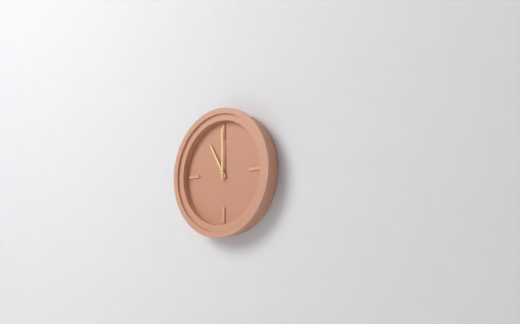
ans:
**11:00**
